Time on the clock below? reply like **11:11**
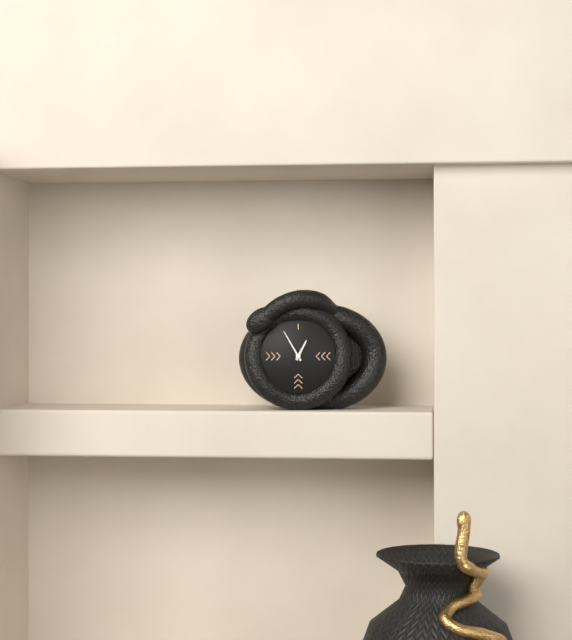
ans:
**12:55**
